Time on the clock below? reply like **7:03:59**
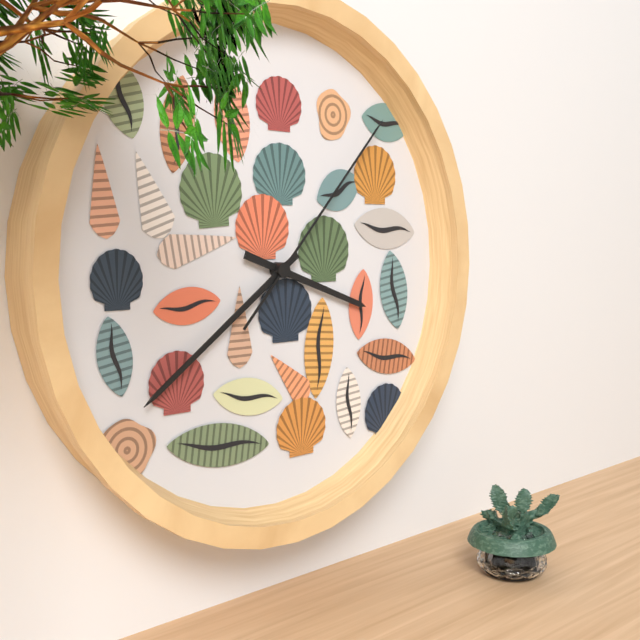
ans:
**3:39:07**
